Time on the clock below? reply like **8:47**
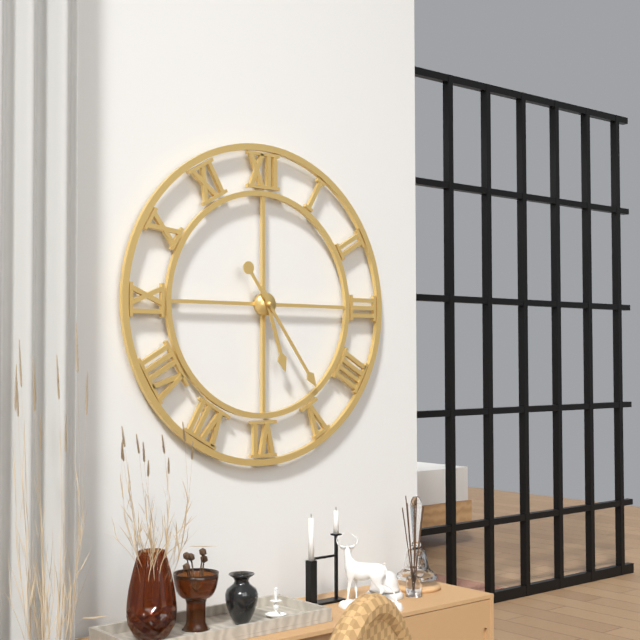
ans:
**5:24**
